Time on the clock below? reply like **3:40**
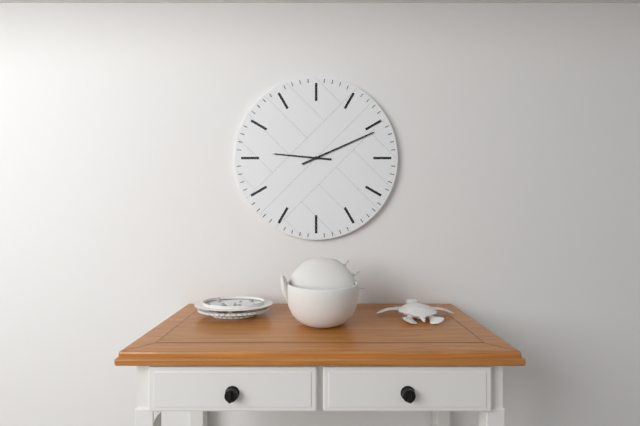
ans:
**9:11**
